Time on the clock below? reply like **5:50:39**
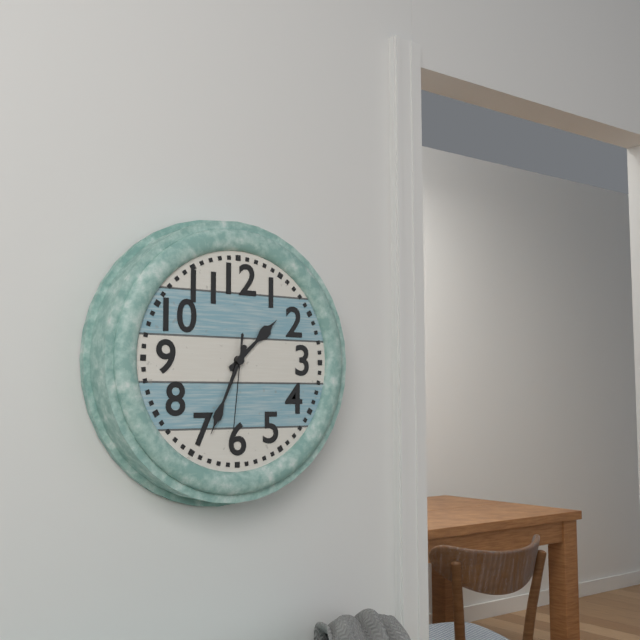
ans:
**1:34:31**
